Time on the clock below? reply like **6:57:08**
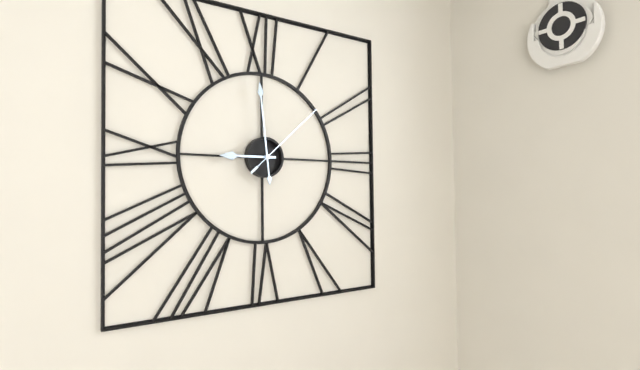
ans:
**8:59:08**
